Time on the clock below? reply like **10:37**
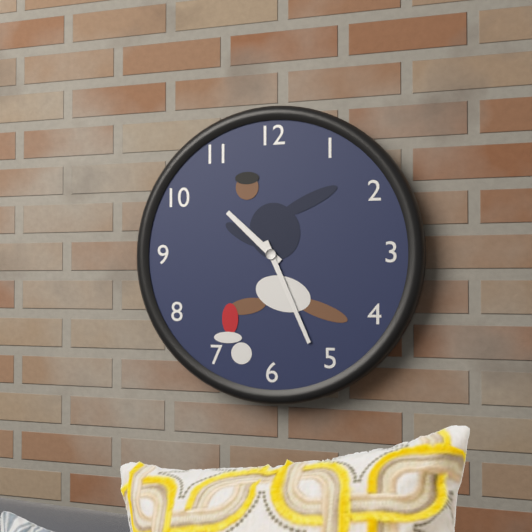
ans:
**10:26**
